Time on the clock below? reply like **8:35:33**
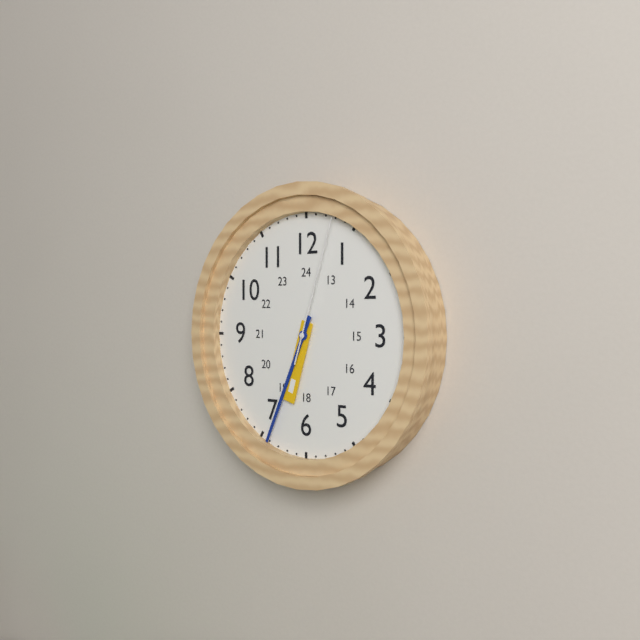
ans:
**6:34:03**
